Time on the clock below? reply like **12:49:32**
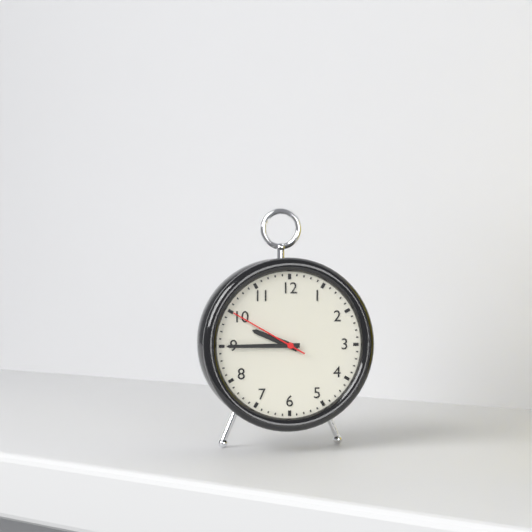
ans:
**9:45:50**
